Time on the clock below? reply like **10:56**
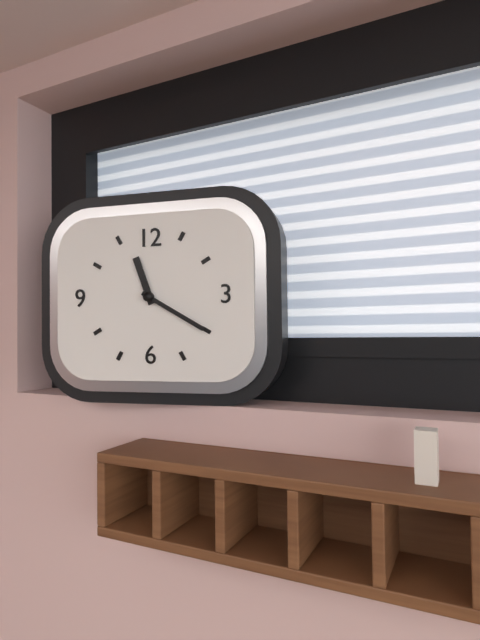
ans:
**11:20**
